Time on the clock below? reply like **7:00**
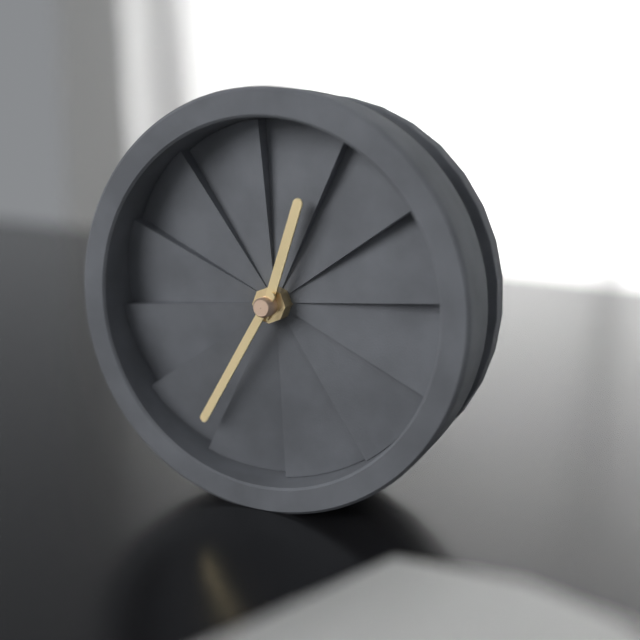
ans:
**12:35**
